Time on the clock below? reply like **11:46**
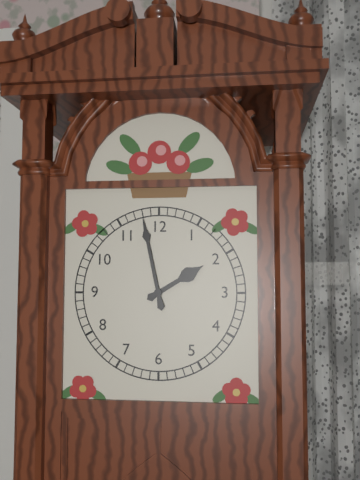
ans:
**1:58**
